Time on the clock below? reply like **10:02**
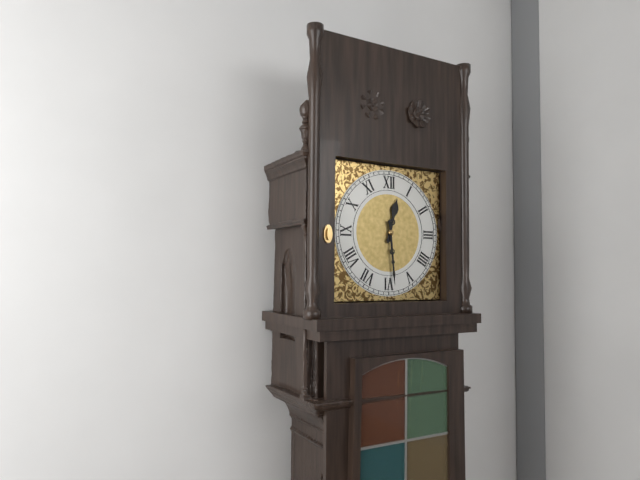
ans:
**12:29**
